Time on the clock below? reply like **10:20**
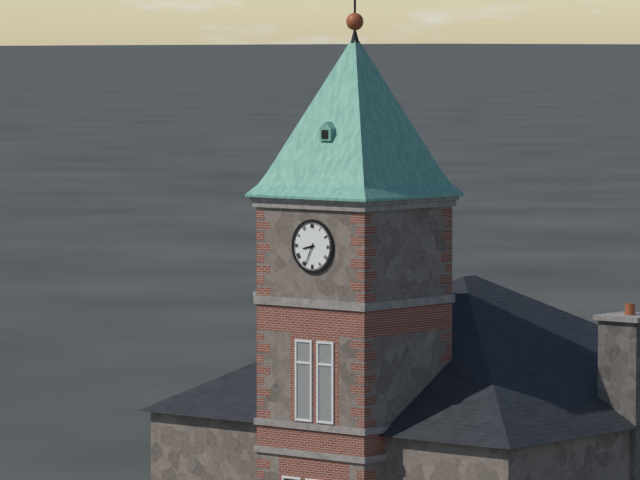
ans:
**8:34**
